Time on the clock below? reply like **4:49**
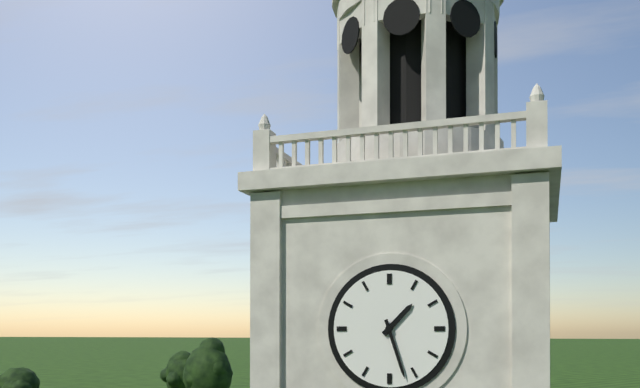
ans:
**1:27**
